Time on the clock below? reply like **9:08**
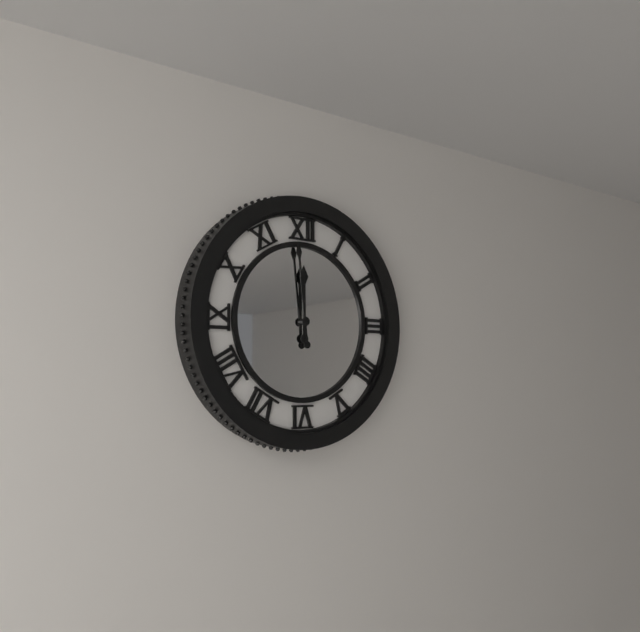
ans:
**11:59**
